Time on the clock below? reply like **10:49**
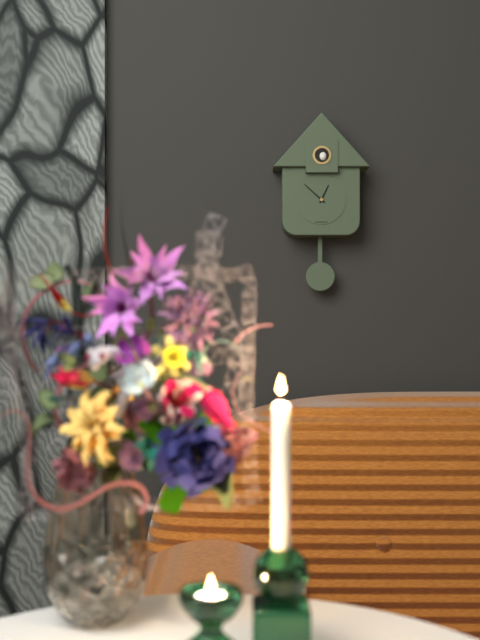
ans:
**12:52**
